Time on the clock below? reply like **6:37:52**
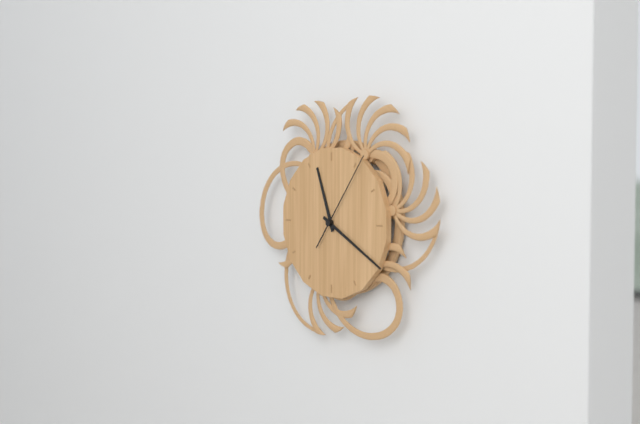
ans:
**11:20:06**
